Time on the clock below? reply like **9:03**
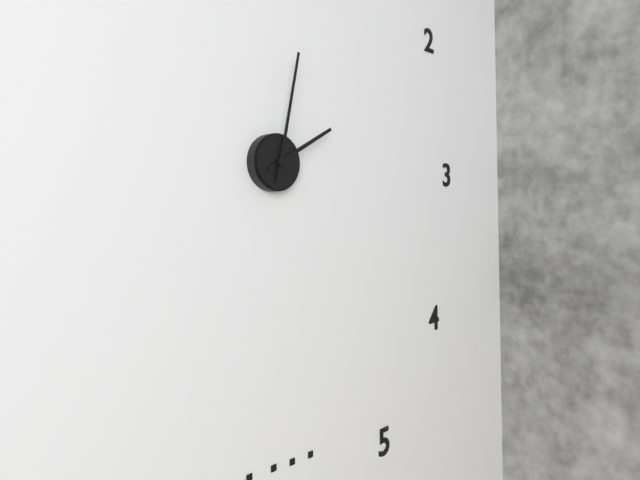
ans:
**2:02**
